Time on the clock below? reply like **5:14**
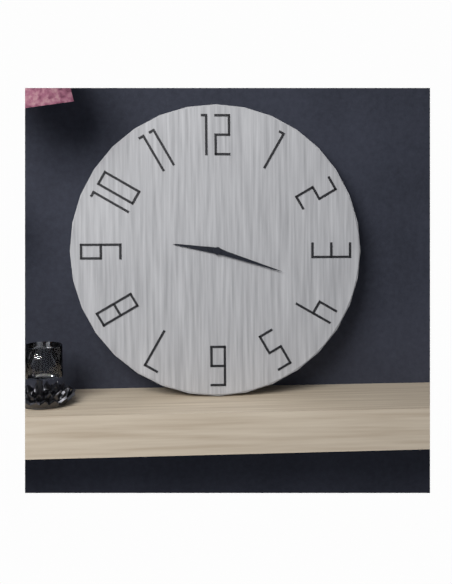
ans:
**9:18**
